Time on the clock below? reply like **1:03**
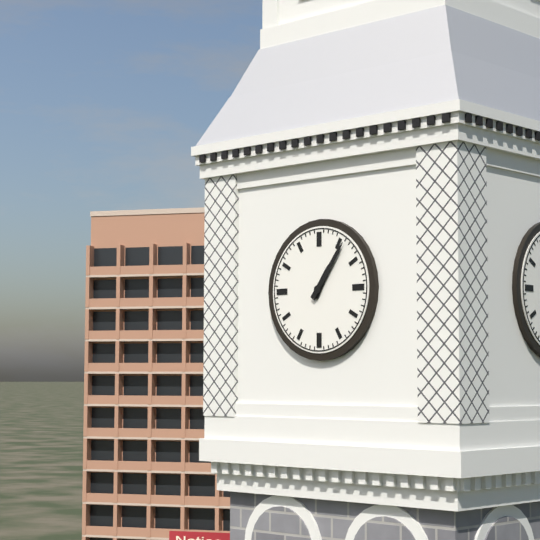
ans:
**1:06**
